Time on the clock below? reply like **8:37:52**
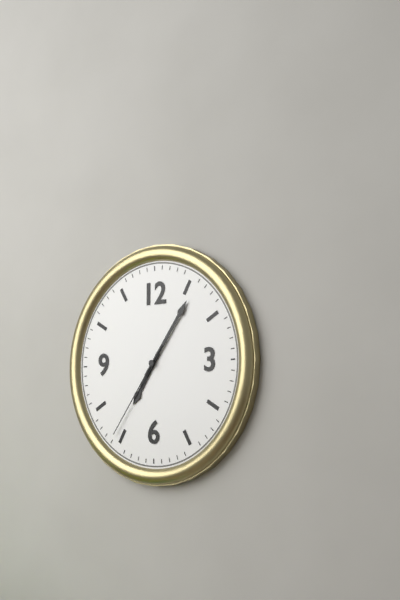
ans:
**7:06:36**
